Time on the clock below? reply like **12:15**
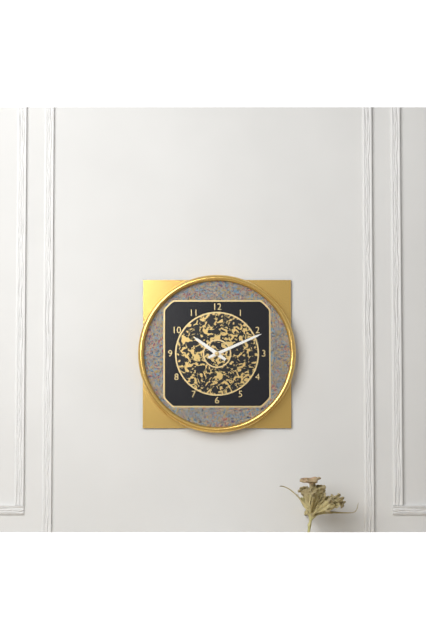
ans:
**10:11**
